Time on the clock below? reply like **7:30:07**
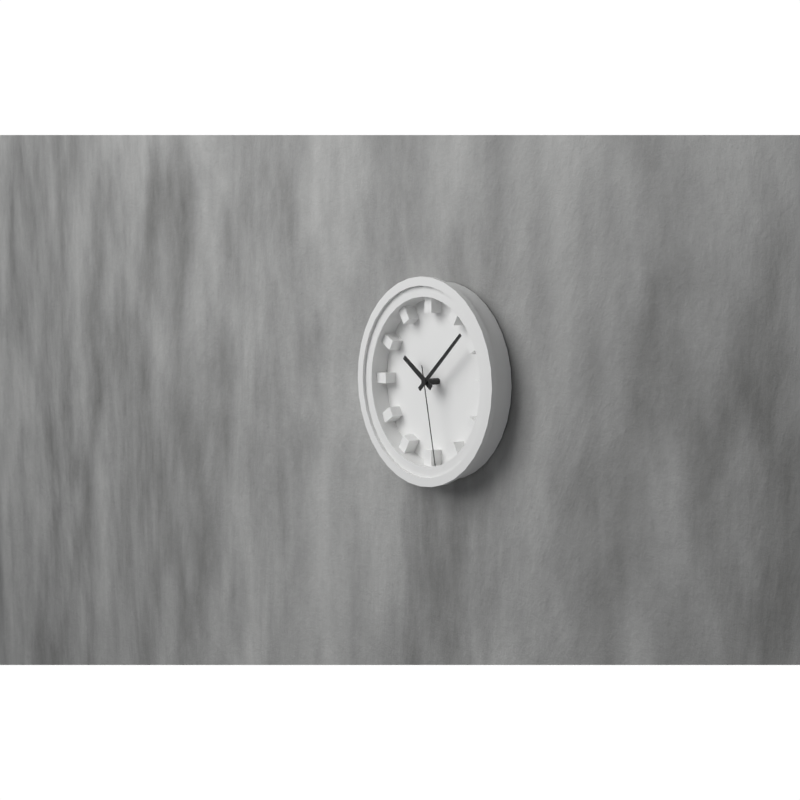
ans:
**10:08:28**
